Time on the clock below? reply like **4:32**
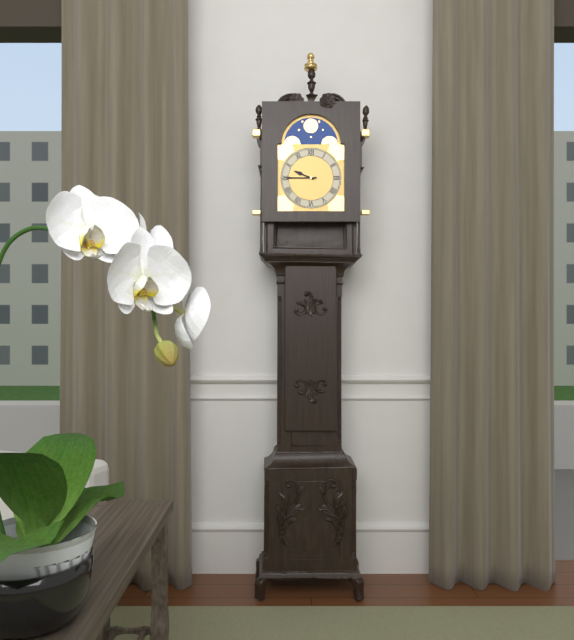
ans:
**9:45**
